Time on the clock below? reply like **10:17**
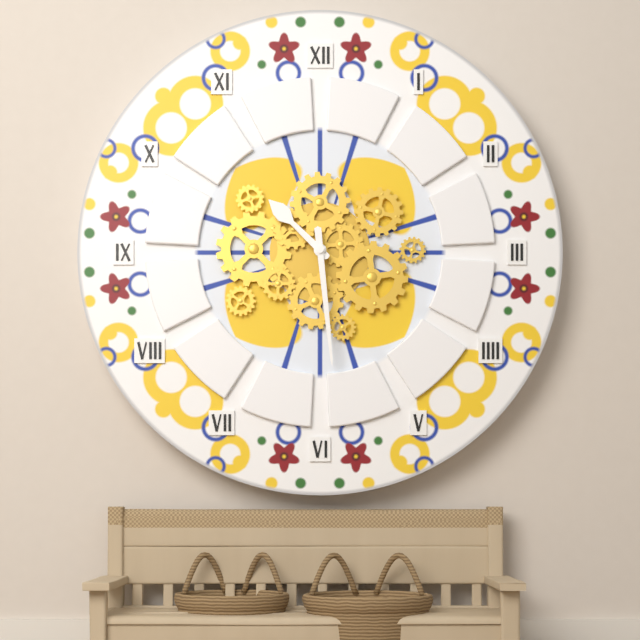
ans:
**10:29**
